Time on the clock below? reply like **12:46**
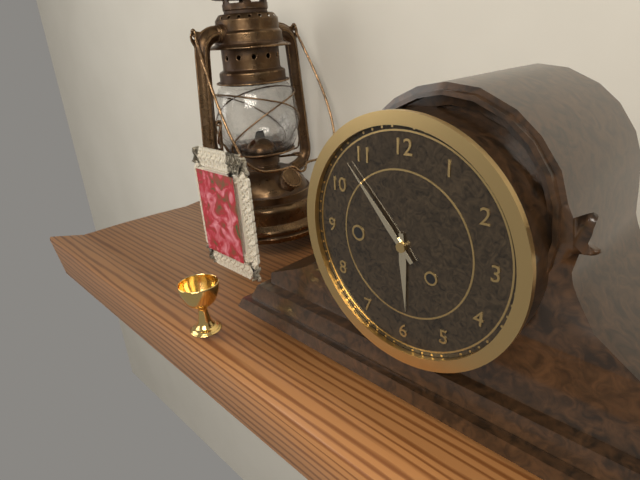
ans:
**5:53**
